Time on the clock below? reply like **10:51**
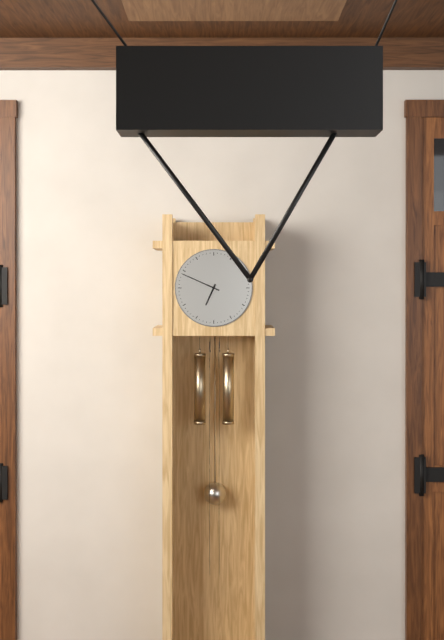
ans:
**6:49**
